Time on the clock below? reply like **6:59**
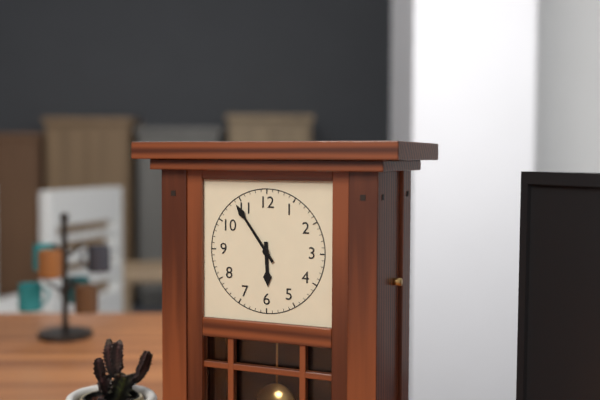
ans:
**5:54**
